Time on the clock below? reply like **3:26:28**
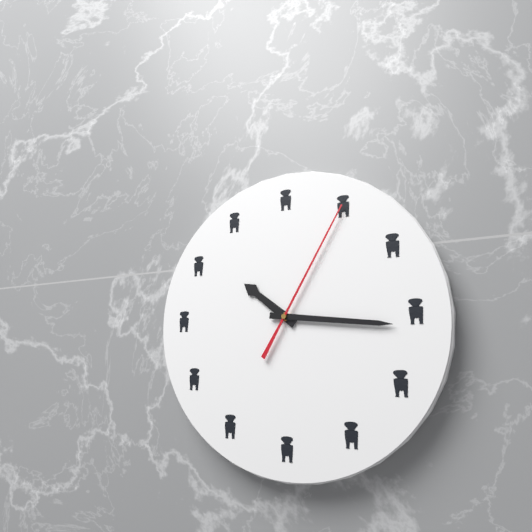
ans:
**10:16:05**
